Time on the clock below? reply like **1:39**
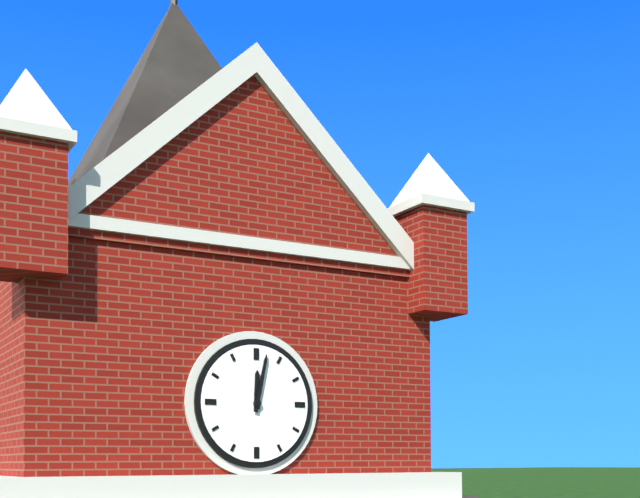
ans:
**12:02**
